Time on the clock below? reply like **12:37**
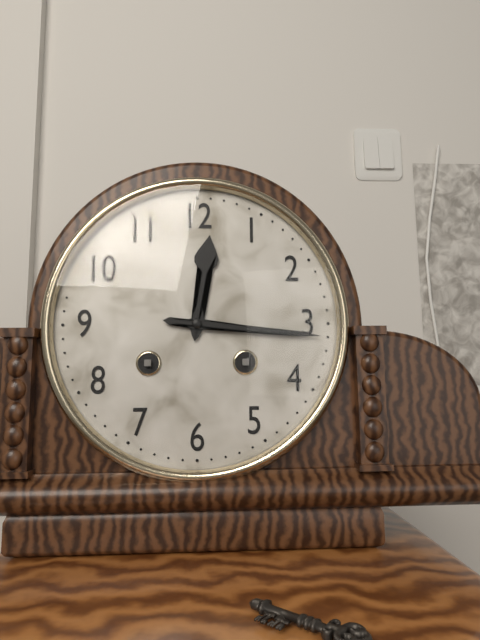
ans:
**12:16**
